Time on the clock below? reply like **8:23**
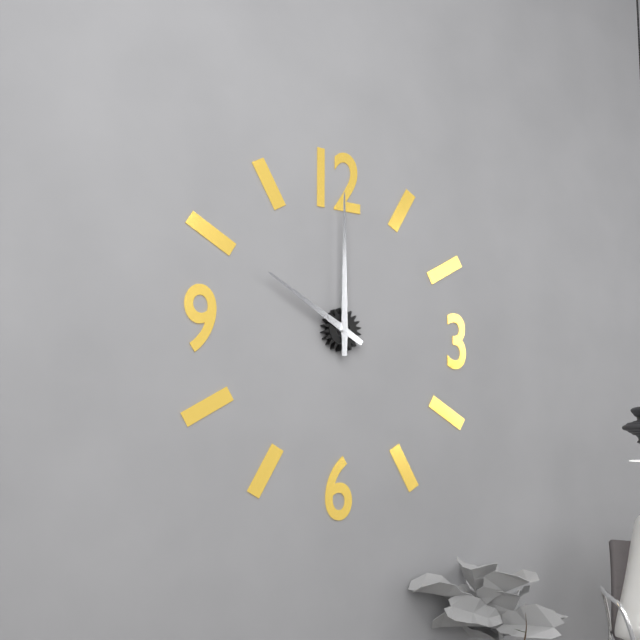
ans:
**10:00**
